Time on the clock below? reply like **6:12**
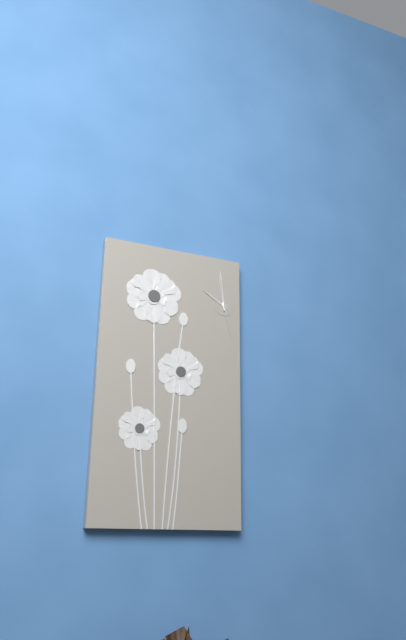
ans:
**9:59**
